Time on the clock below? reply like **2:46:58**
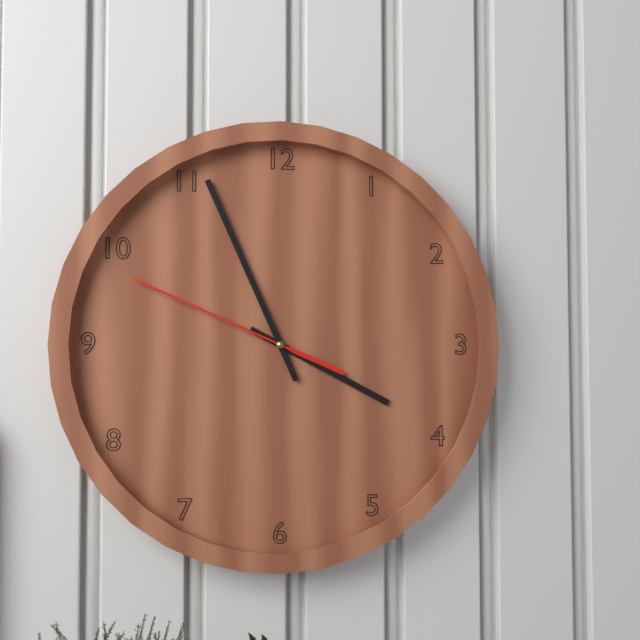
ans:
**3:56:49**
